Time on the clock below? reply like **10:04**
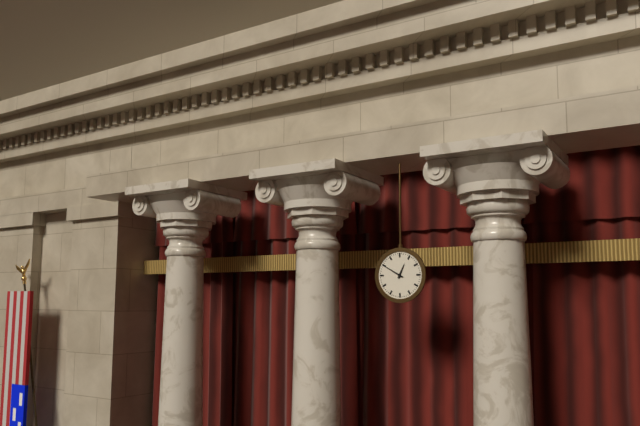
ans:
**12:50**
